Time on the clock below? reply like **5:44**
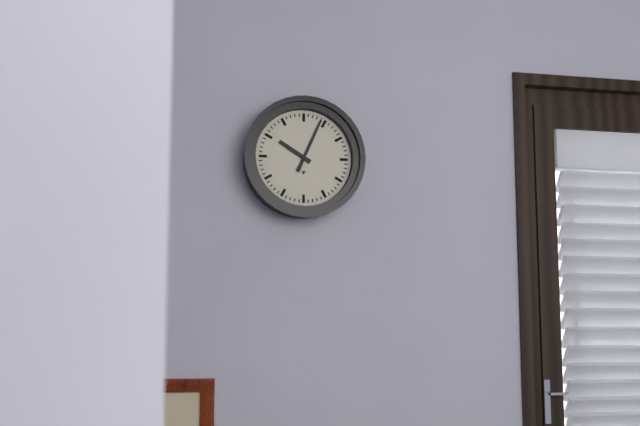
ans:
**10:04**
